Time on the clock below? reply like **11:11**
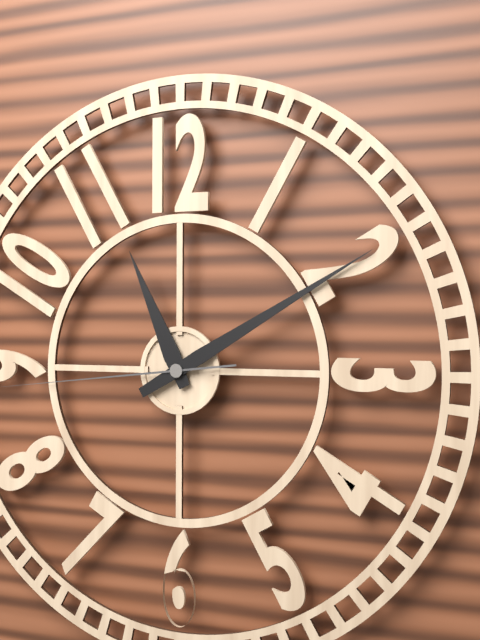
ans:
**11:10**
